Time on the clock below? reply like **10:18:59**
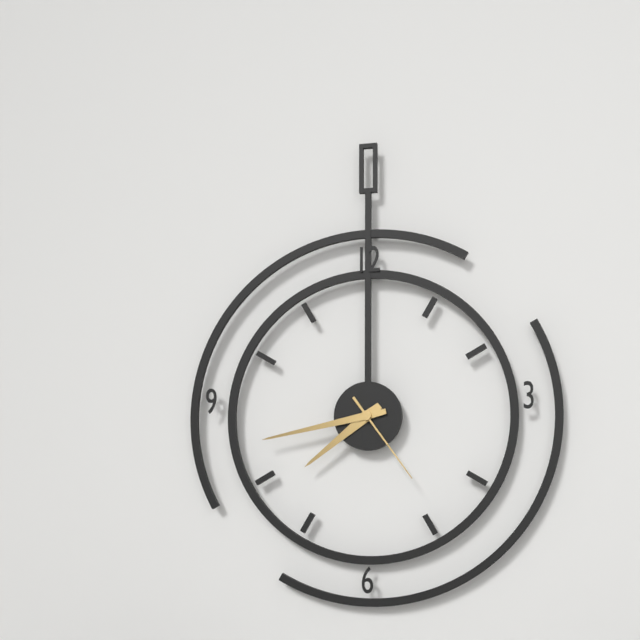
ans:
**7:43:24**
